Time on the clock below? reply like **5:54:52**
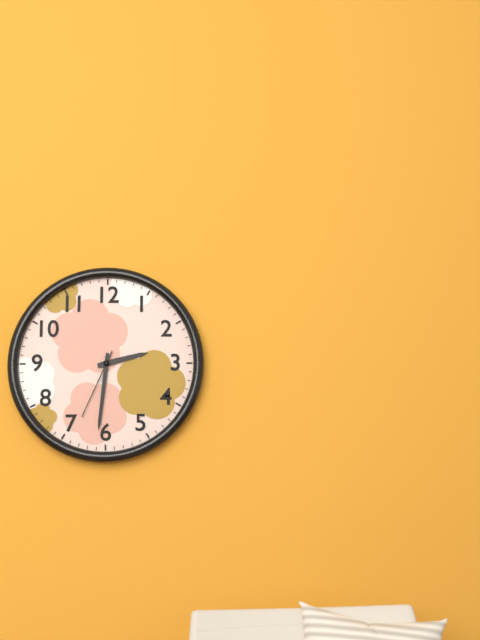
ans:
**2:31:34**
